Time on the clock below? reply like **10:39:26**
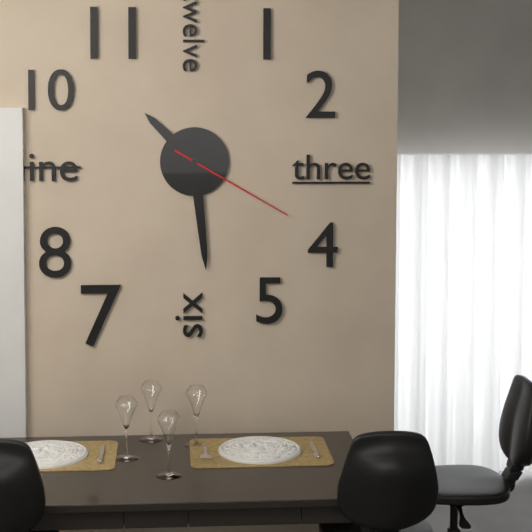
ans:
**10:29:20**
